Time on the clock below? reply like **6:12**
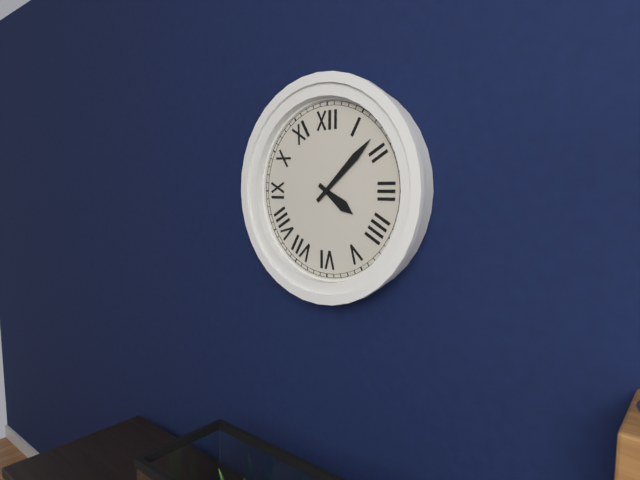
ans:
**4:08**
